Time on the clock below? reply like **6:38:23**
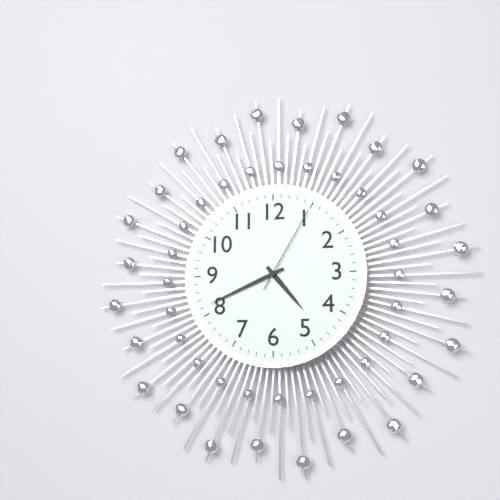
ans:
**4:41:05**
